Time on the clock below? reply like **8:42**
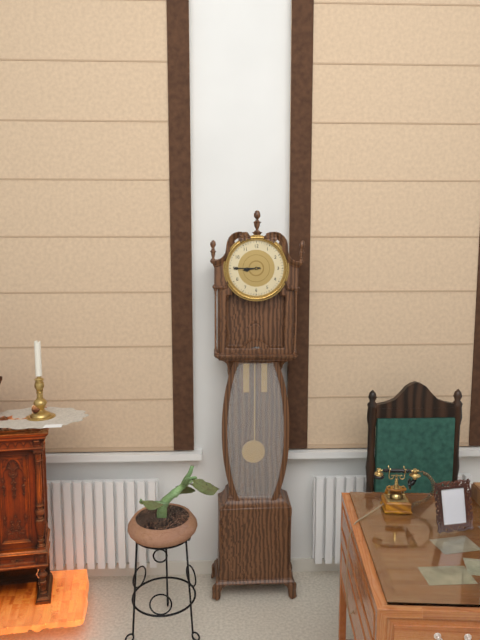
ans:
**8:45**
